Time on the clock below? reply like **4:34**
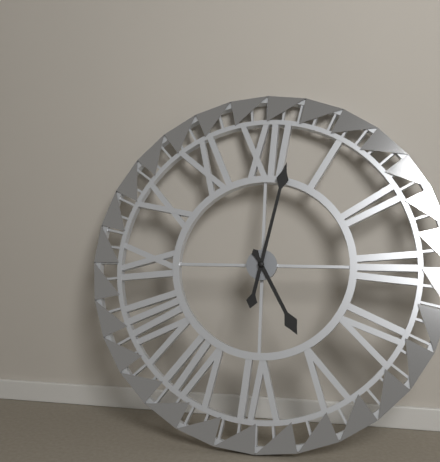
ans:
**5:02**
